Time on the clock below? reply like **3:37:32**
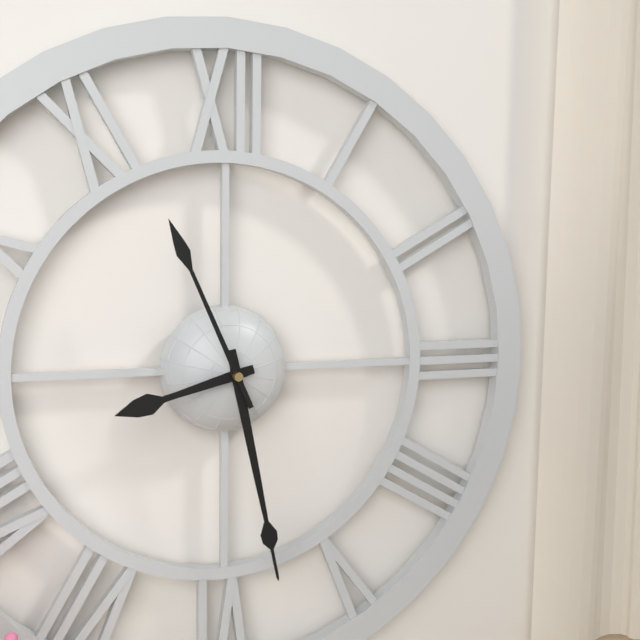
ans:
**8:28:56**
